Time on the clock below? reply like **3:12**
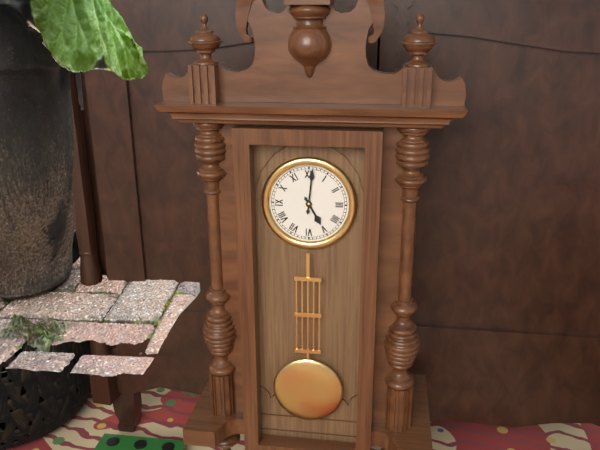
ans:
**5:01**
